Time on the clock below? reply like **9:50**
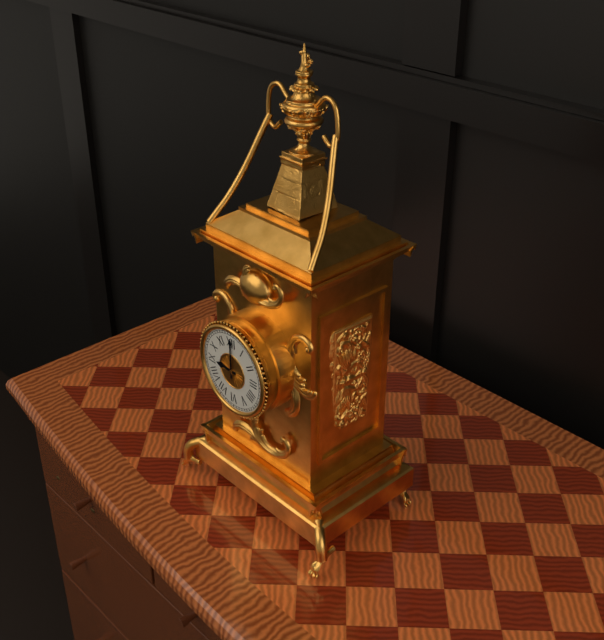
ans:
**9:00**
